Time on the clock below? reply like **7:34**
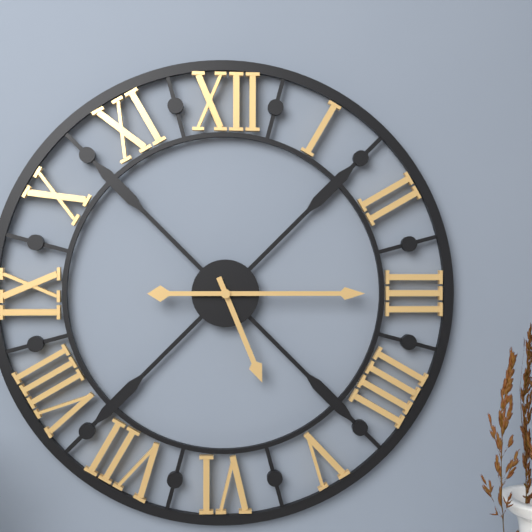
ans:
**5:15**
